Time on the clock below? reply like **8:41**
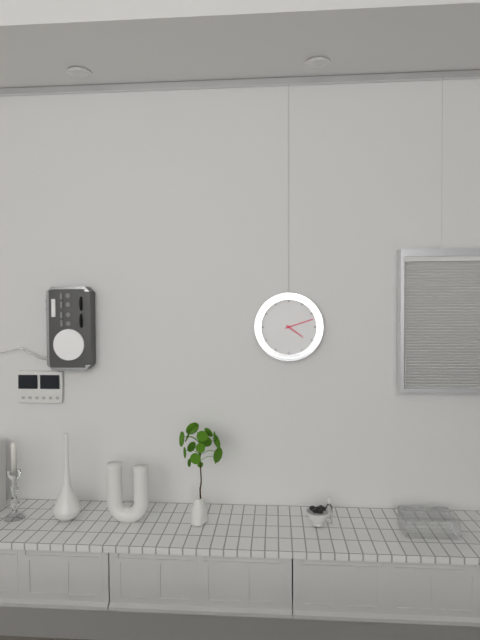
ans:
**4:12**
